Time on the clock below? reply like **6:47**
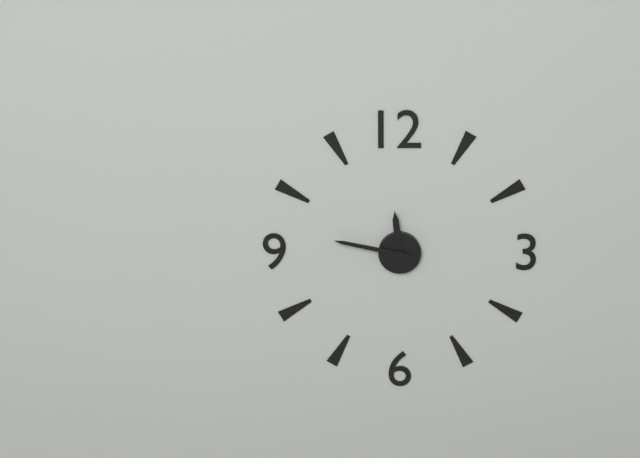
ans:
**11:47**
